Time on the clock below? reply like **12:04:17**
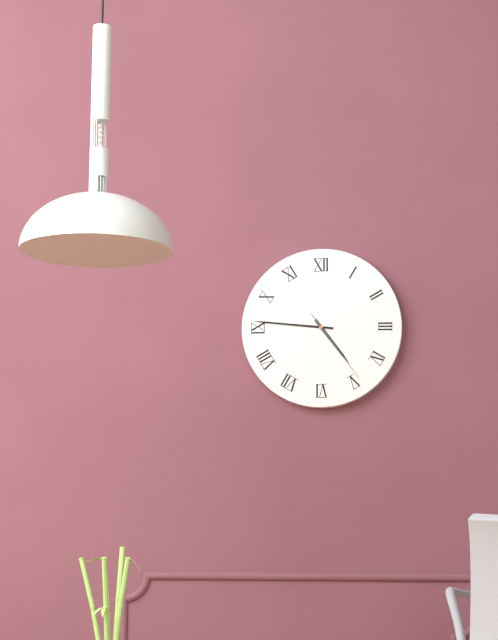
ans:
**4:46:24**
